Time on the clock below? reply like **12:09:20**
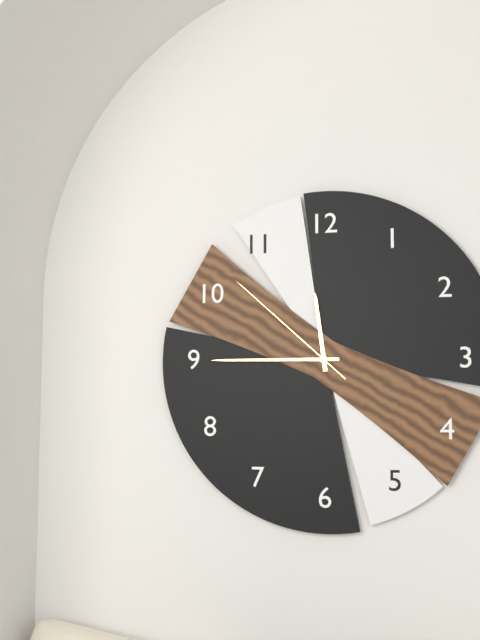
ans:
**11:45:52**
